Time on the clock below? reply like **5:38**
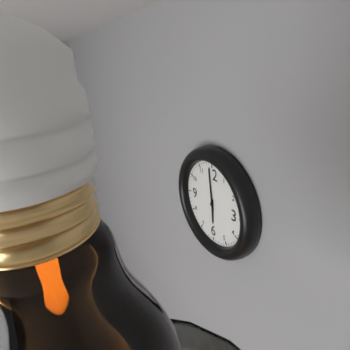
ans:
**5:59**
